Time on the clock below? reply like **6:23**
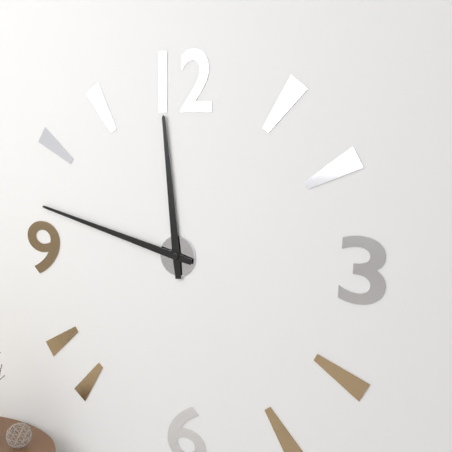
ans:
**11:47**
